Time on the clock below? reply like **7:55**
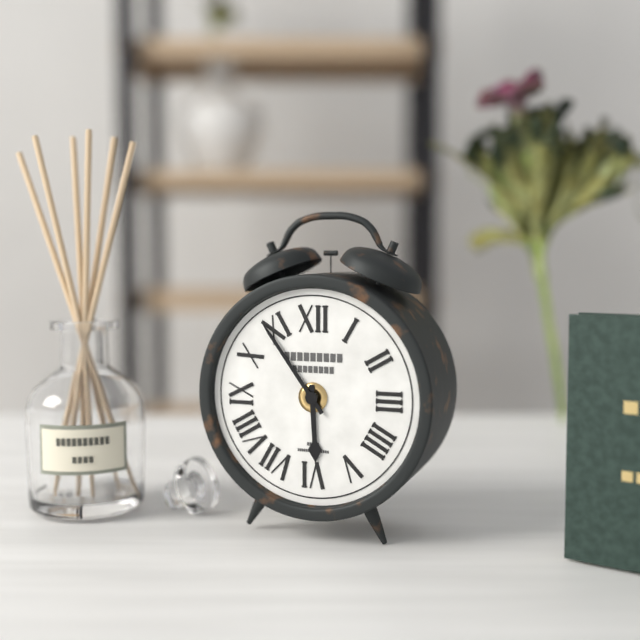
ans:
**5:54**
